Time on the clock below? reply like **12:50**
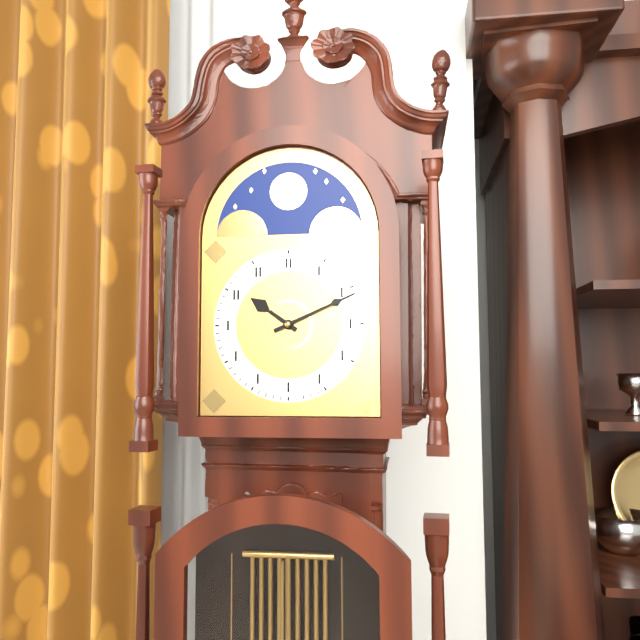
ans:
**10:11**
